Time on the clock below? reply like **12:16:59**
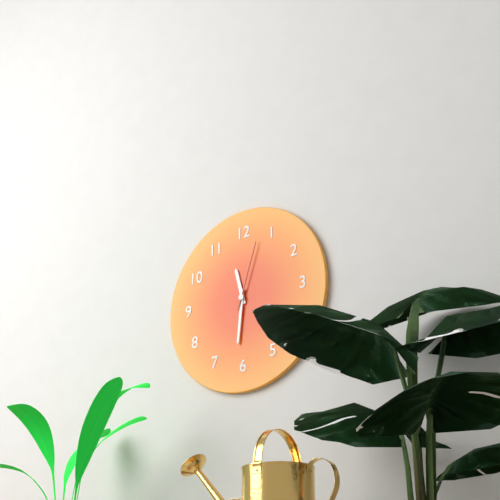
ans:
**11:31:03**
